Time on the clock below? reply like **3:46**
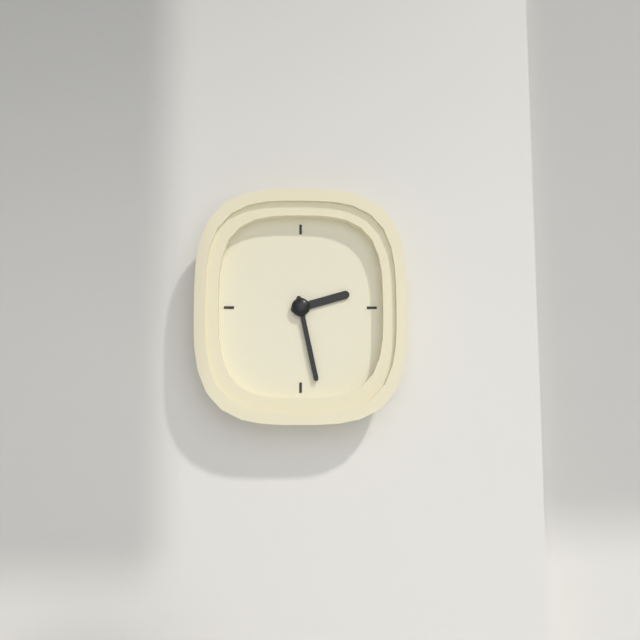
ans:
**2:28**
